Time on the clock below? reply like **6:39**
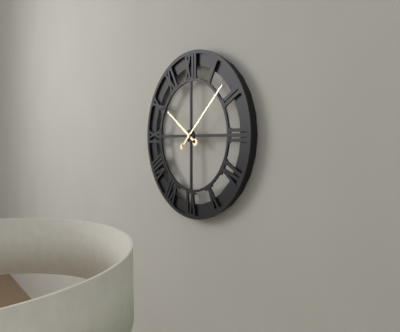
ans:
**10:08**
